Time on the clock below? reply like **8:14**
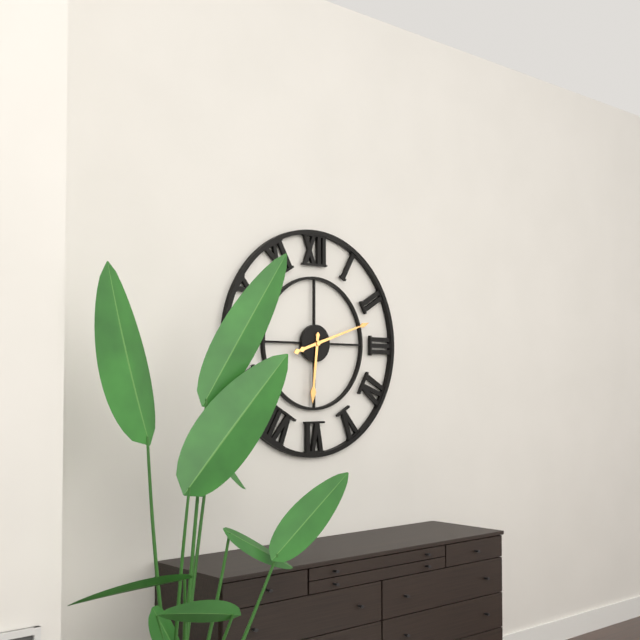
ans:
**6:12**
